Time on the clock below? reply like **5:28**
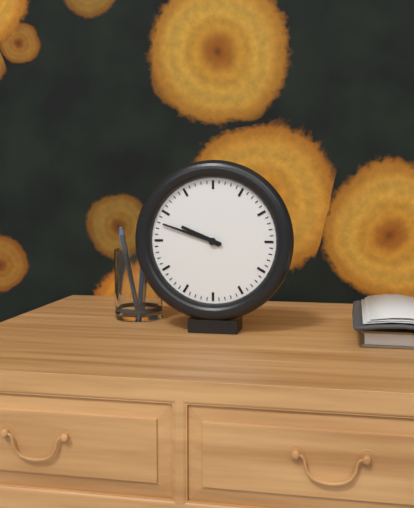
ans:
**9:48**
